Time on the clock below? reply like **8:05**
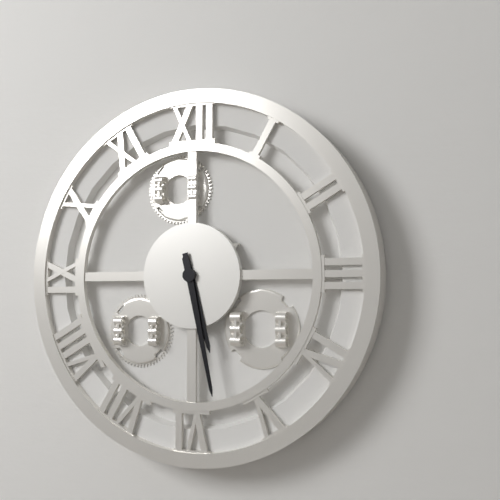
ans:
**5:28**
